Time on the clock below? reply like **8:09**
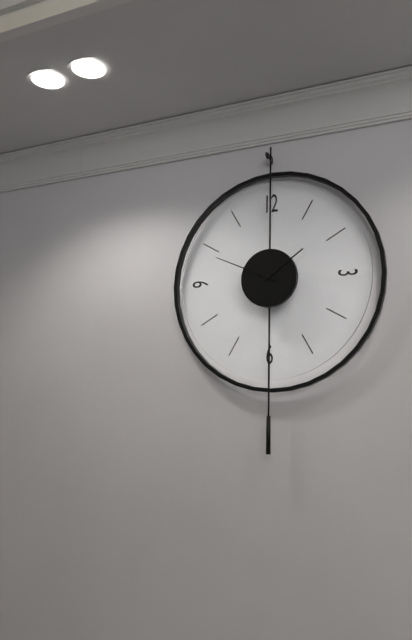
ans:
**1:49**
